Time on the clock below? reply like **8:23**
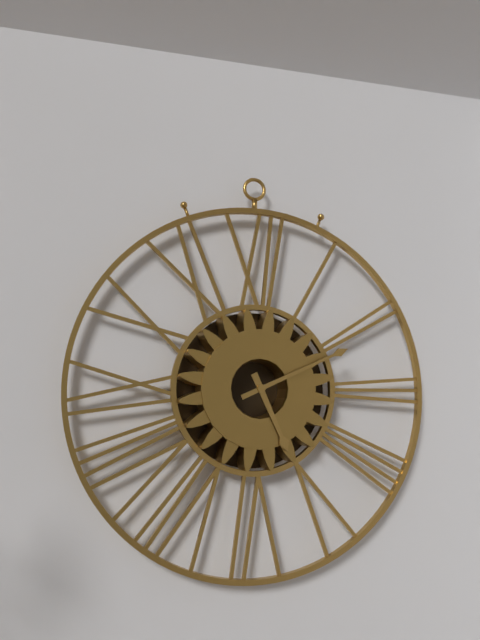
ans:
**5:11**
